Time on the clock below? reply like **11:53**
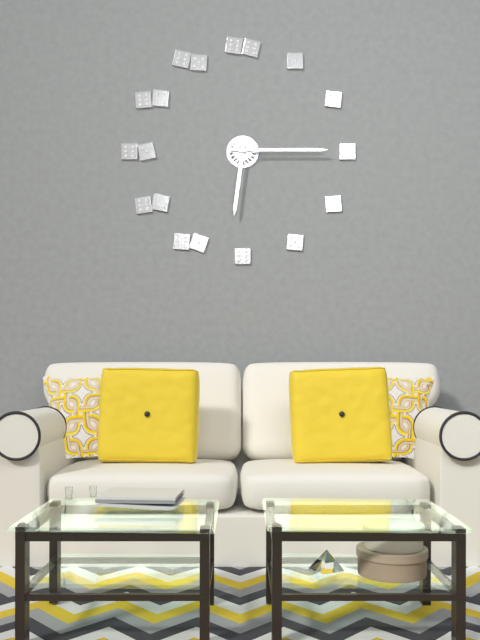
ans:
**6:15**
